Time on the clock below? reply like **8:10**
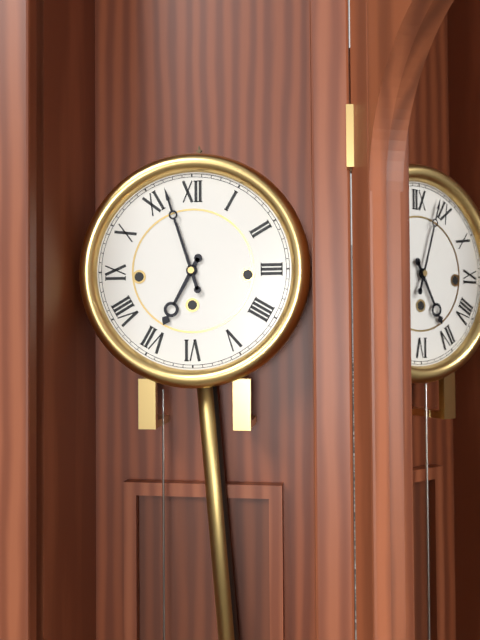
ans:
**6:57**
